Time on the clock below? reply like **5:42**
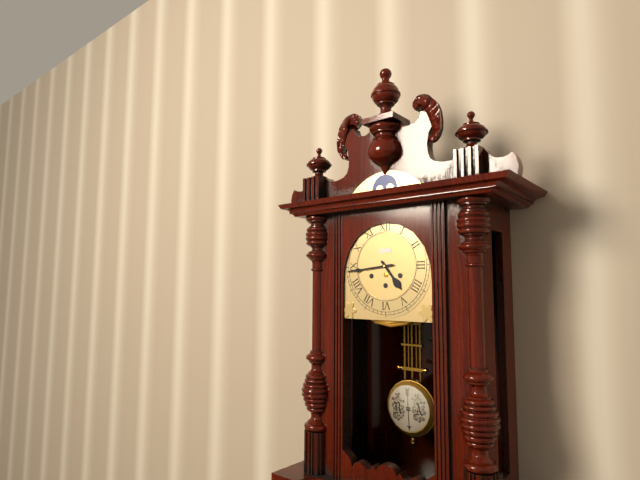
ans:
**4:44**
